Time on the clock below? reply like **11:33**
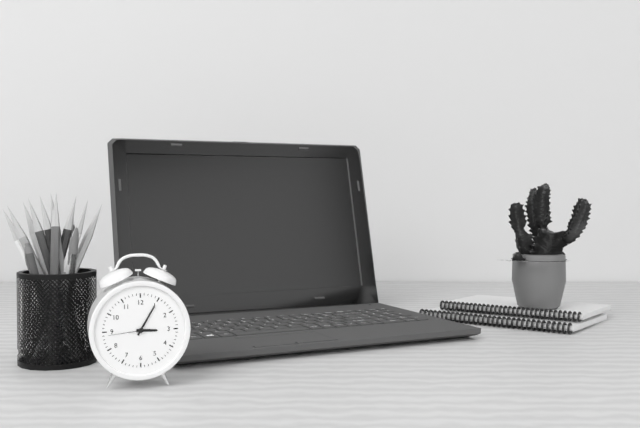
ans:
**3:05**
